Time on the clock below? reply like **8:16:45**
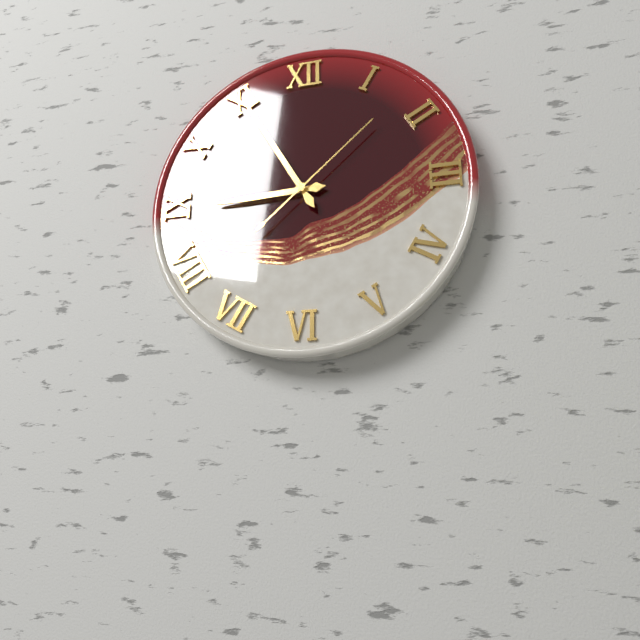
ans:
**8:55:08**
